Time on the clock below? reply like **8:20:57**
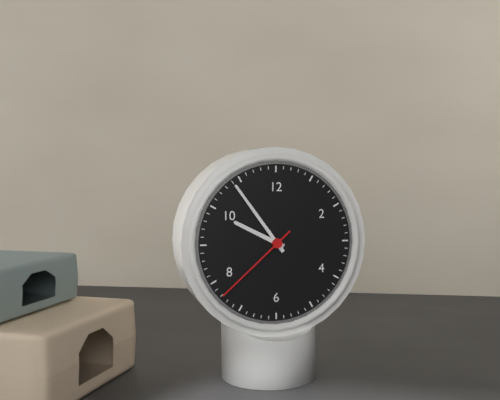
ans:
**9:54:38**
